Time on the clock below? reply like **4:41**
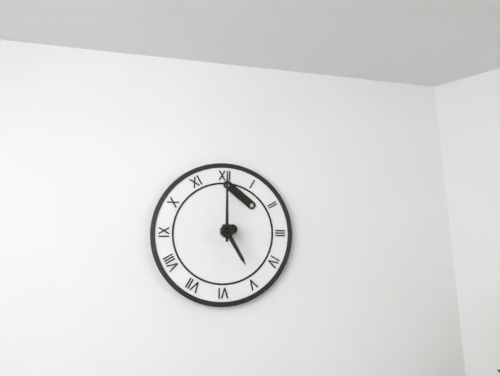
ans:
**5:00**
